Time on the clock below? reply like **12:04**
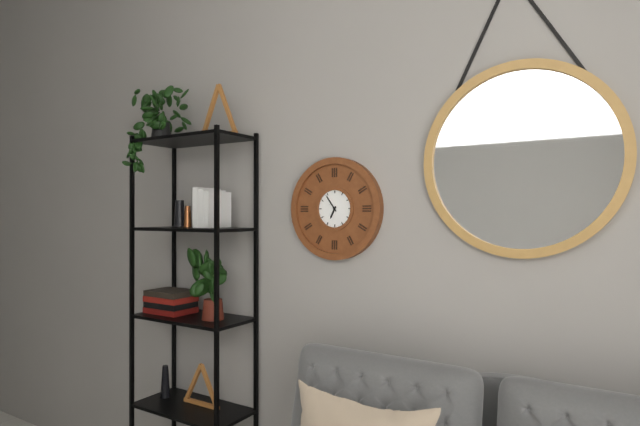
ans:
**6:54**
